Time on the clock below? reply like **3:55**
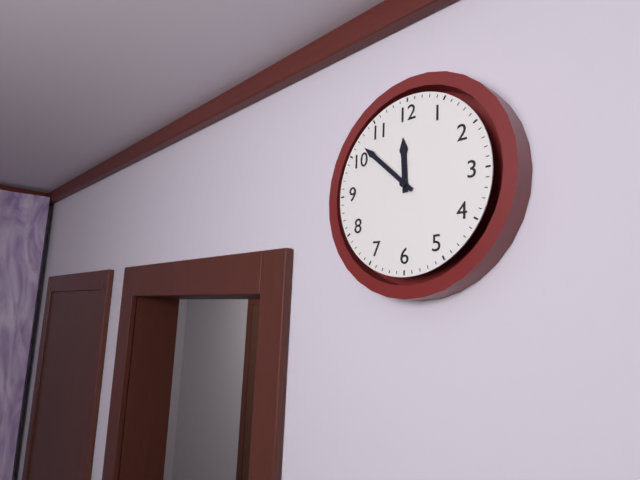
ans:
**11:52**
